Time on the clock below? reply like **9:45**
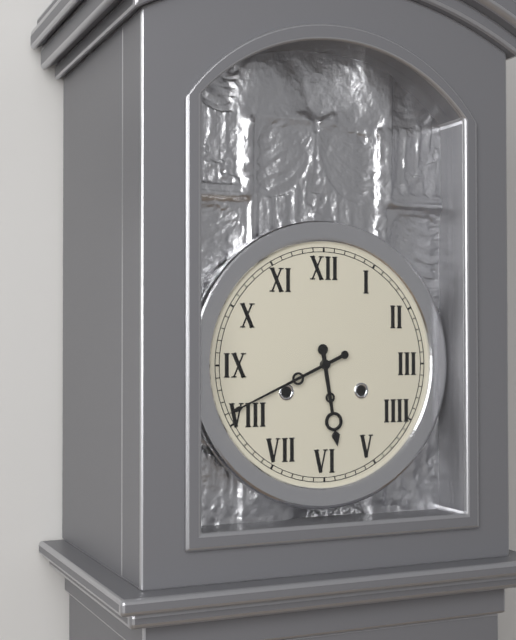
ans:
**5:41**
